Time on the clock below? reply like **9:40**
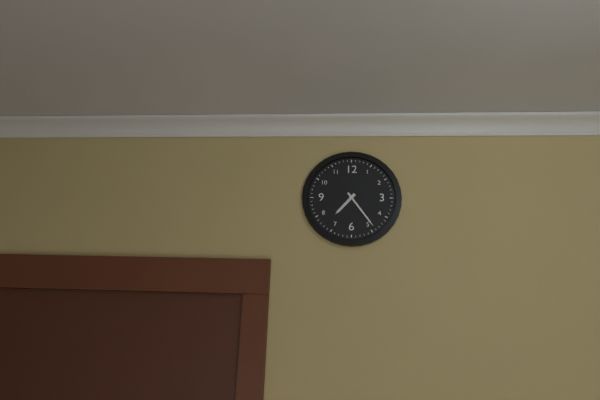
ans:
**7:24**
